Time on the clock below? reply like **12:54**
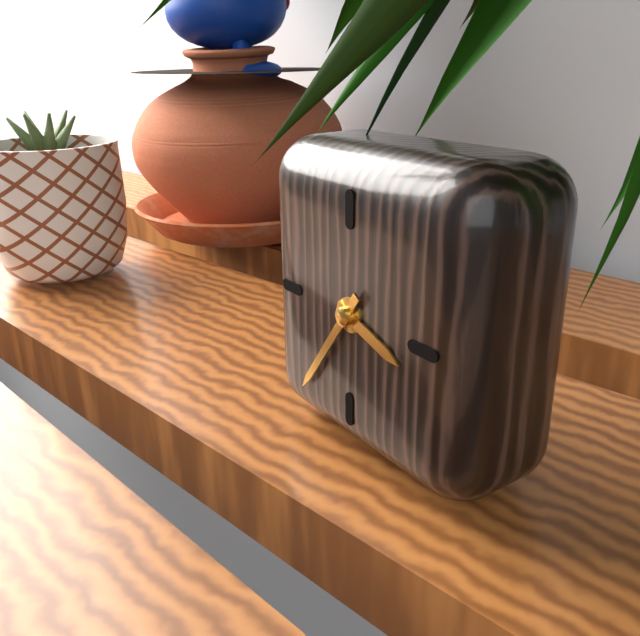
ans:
**3:36**
